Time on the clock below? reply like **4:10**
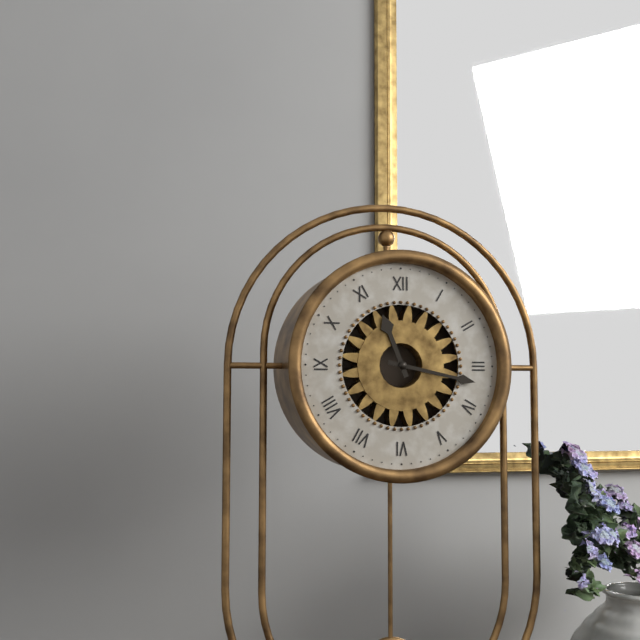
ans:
**11:17**
